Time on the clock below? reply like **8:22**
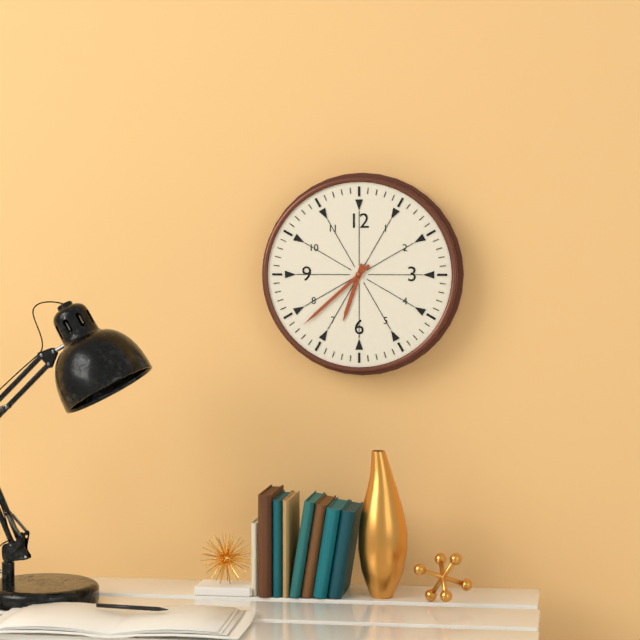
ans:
**6:38**
